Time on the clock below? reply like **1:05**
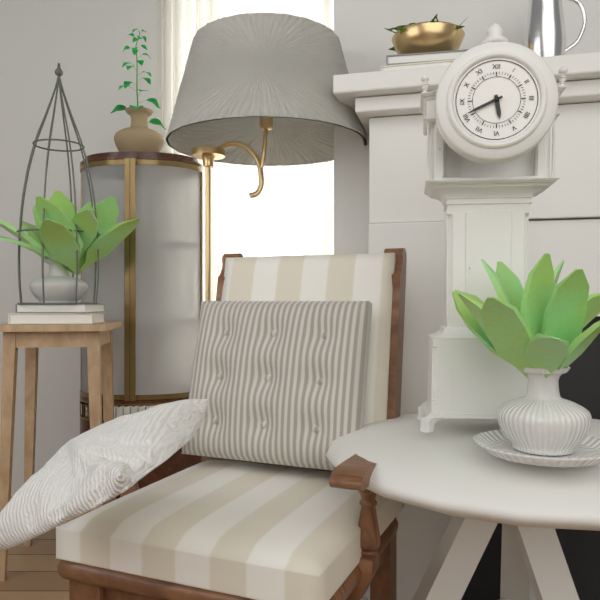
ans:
**5:41**
